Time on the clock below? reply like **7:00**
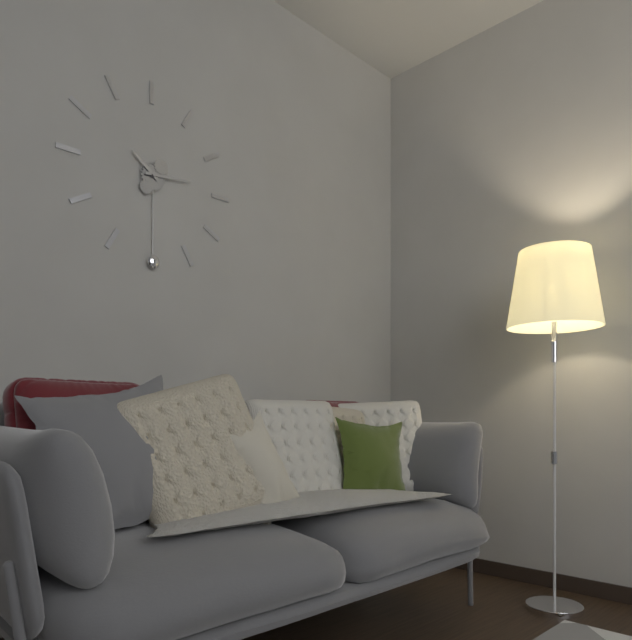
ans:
**10:14**
